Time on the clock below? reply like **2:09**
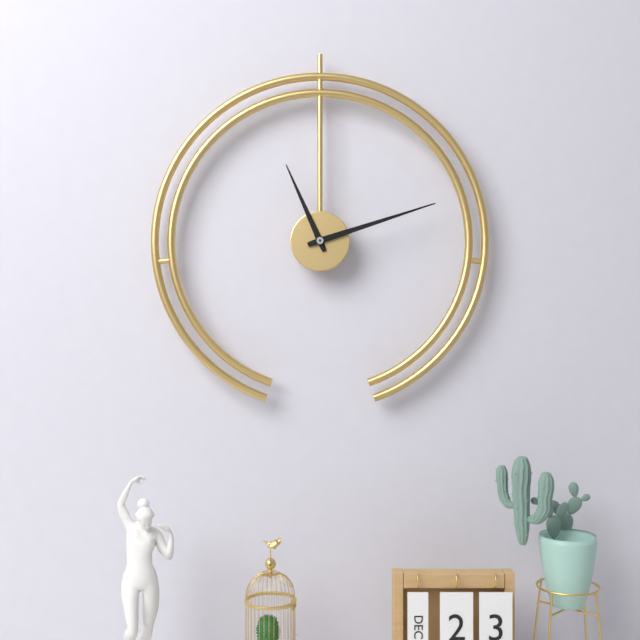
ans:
**11:12**
